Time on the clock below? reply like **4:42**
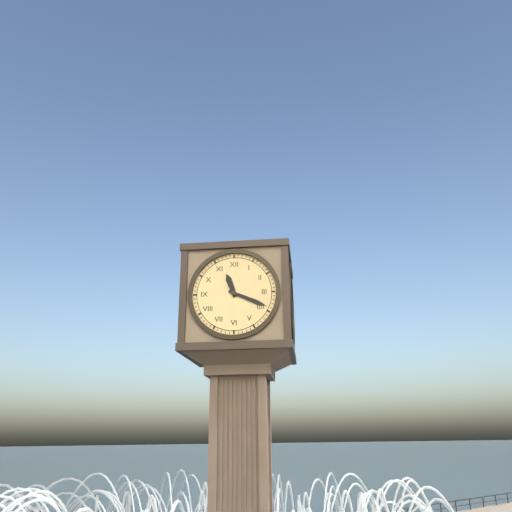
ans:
**11:19**
